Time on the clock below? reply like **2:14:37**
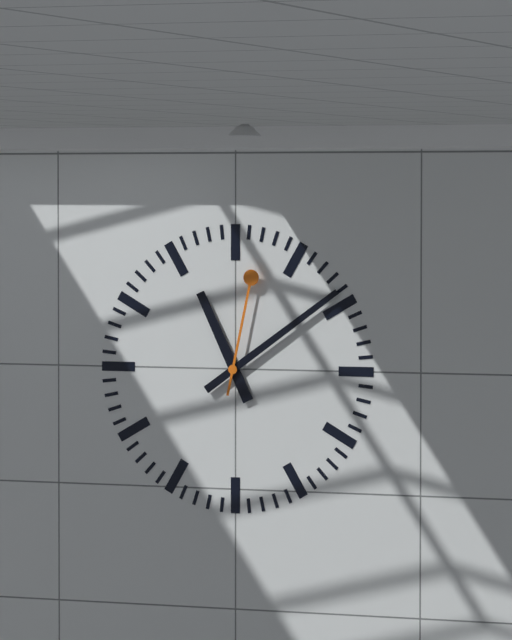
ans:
**11:09:02**
